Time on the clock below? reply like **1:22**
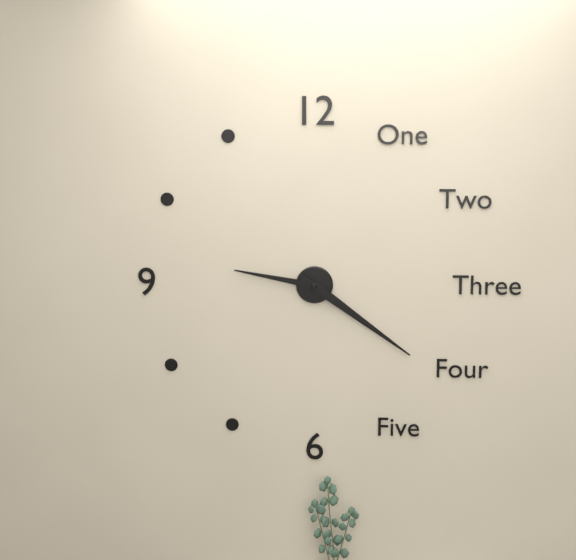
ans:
**9:21**
